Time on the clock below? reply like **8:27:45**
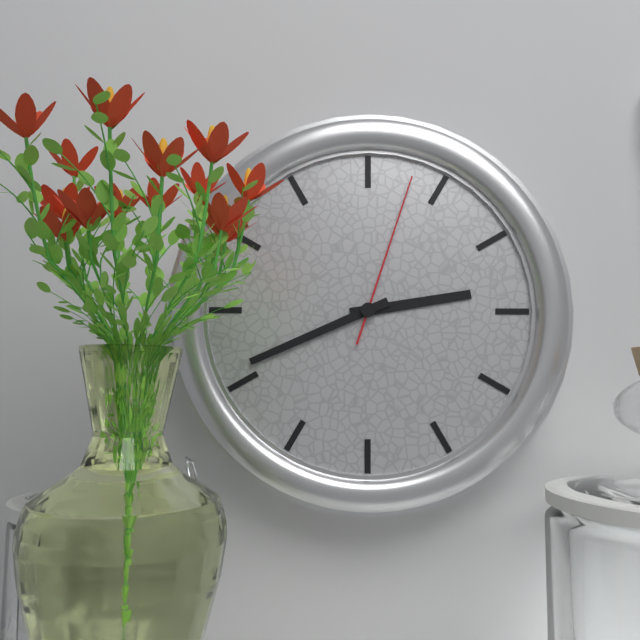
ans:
**2:41:03**
